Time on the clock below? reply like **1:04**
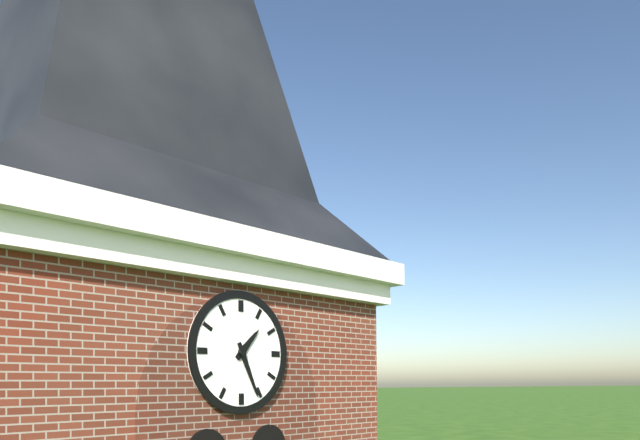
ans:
**1:26**
